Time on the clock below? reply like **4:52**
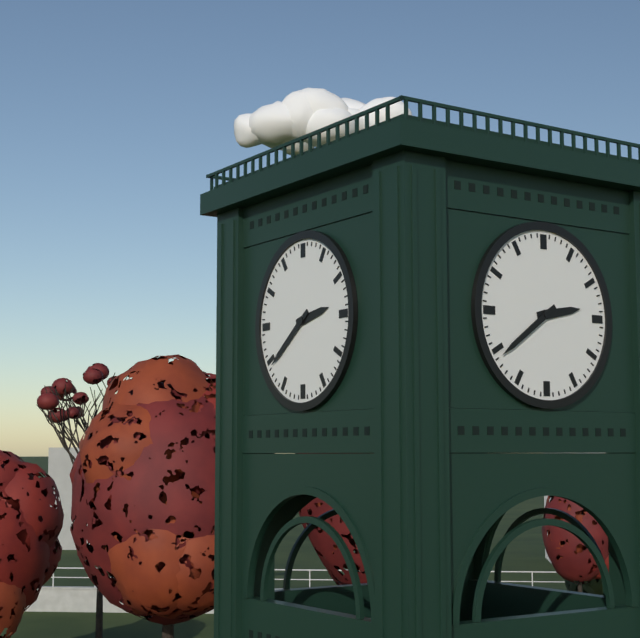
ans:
**2:39**
